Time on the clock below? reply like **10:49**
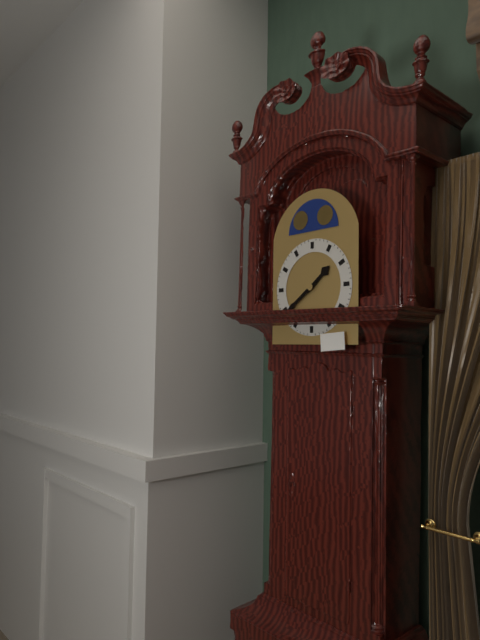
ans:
**1:39**
